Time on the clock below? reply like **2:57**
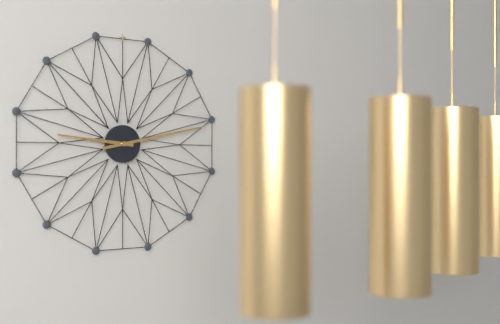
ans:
**9:13**
